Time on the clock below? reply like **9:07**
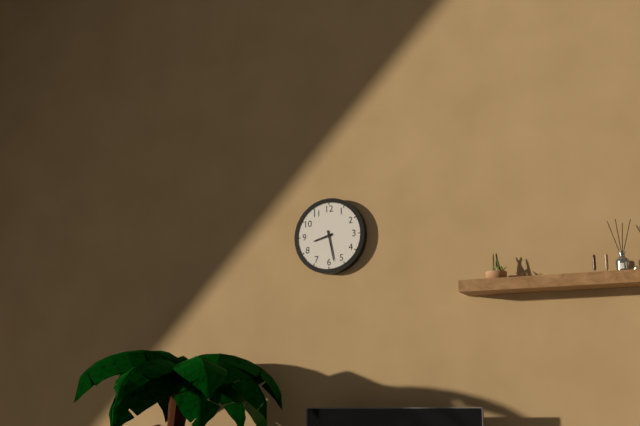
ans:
**8:28**
